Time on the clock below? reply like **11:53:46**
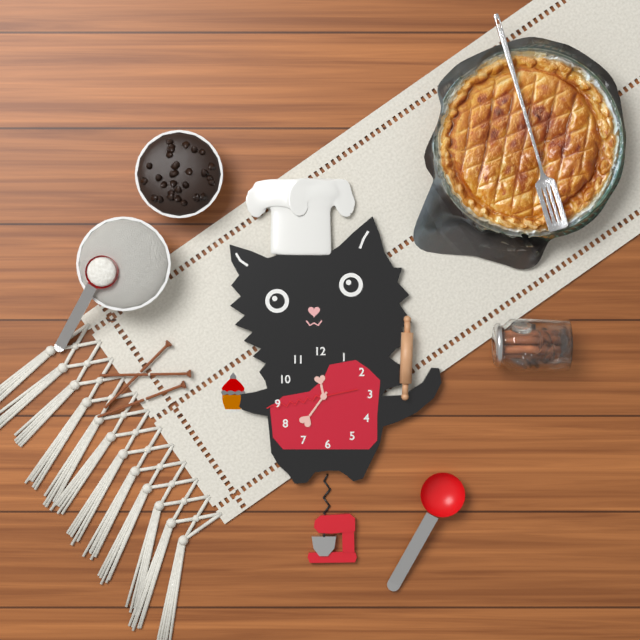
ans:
**11:36:43**
